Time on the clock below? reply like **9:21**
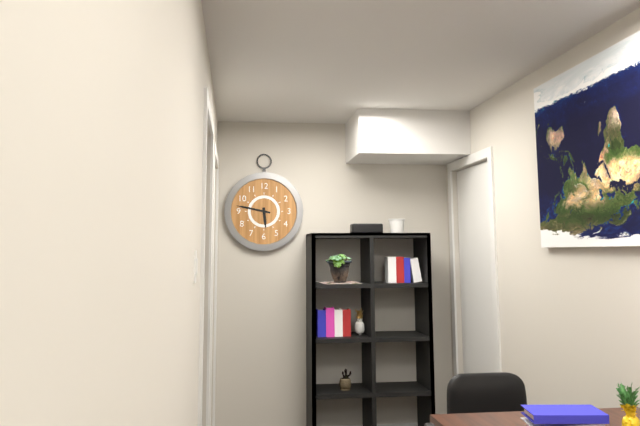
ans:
**5:47**
